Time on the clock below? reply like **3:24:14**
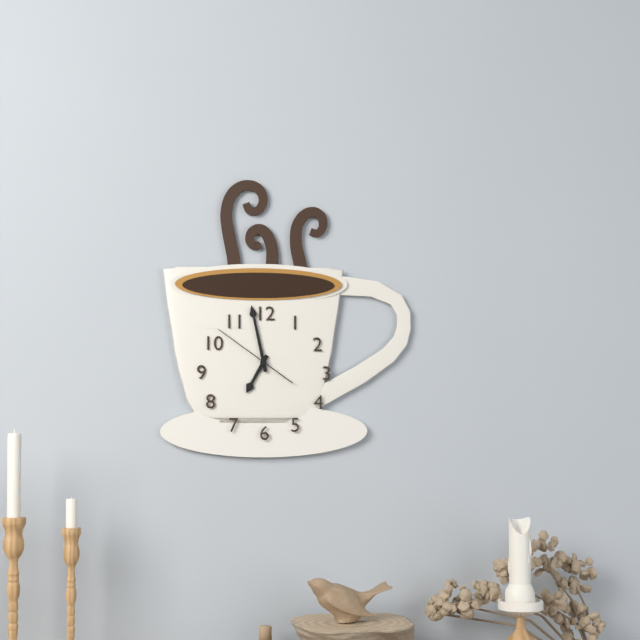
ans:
**6:58:51**
